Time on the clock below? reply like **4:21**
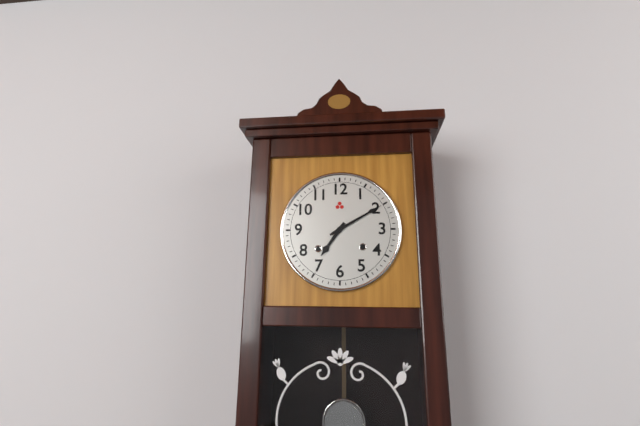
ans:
**7:10**
